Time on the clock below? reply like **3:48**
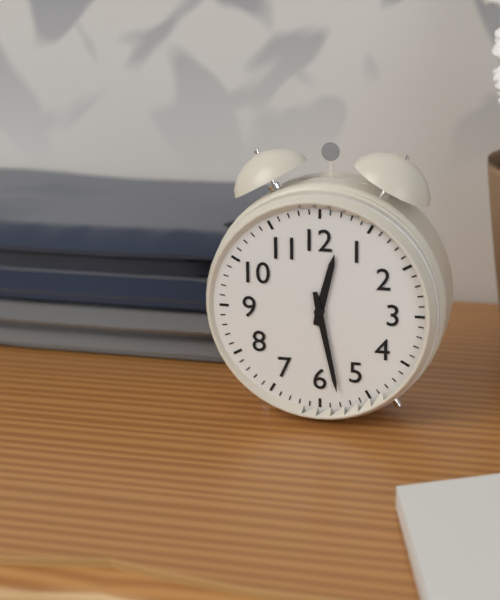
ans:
**12:28**
